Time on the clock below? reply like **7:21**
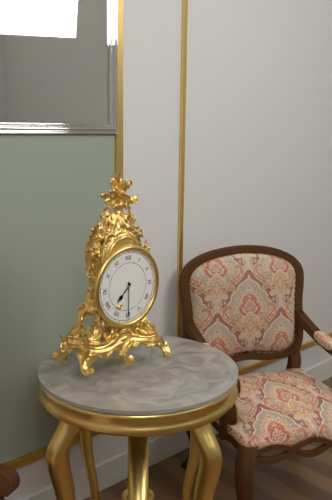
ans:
**7:30**
